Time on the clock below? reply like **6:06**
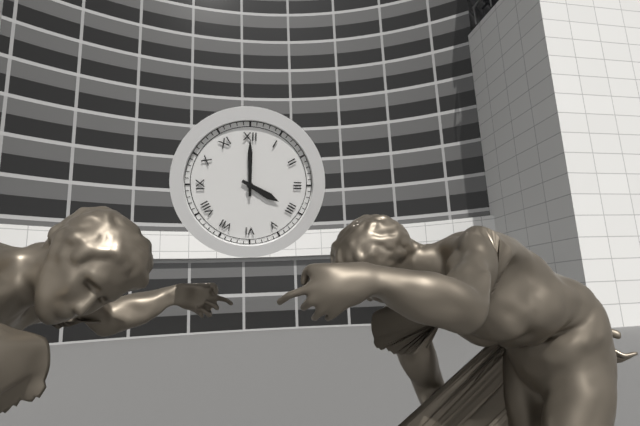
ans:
**4:00**
